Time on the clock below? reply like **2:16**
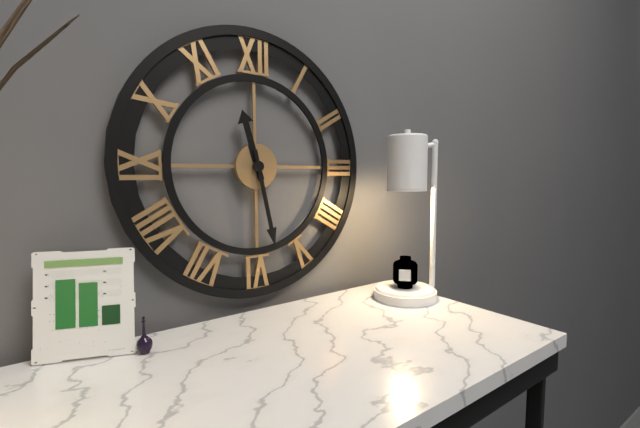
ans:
**11:28**
